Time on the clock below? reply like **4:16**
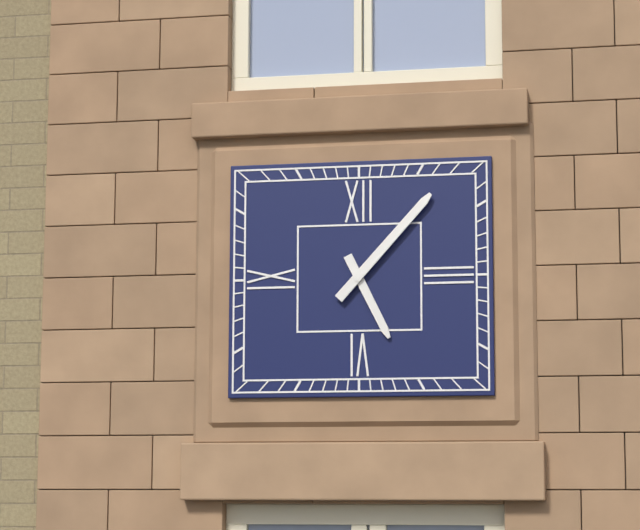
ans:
**5:07**
